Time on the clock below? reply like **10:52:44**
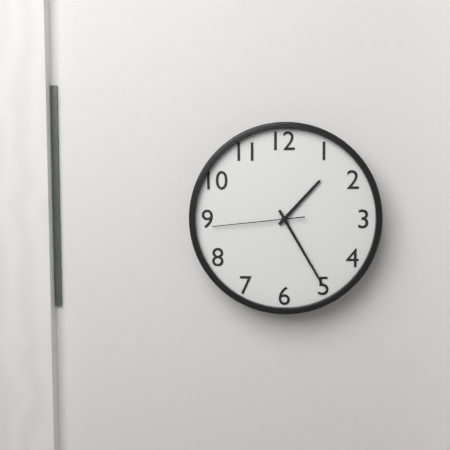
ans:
**1:25:44**
